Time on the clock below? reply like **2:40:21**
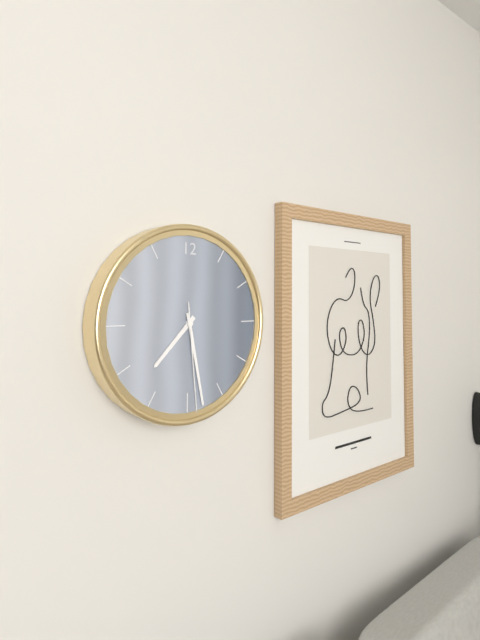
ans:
**7:28:29**
